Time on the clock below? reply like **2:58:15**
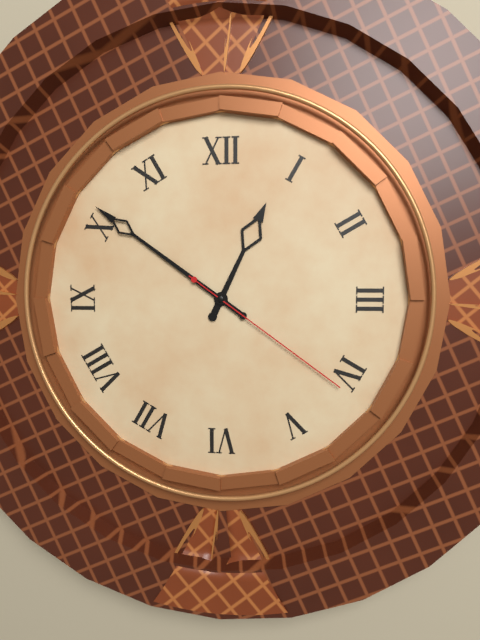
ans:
**12:51:21**
